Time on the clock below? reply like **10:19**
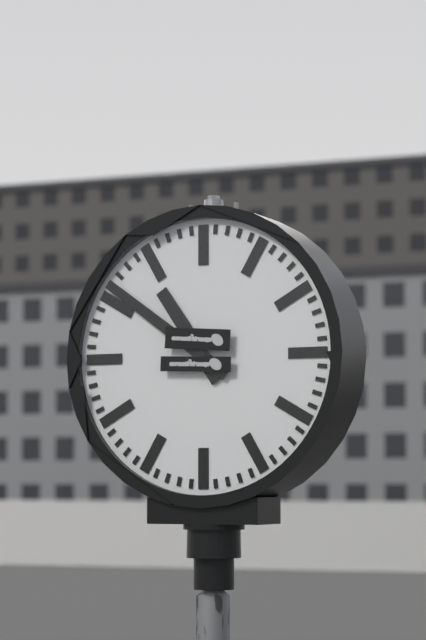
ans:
**10:51**
